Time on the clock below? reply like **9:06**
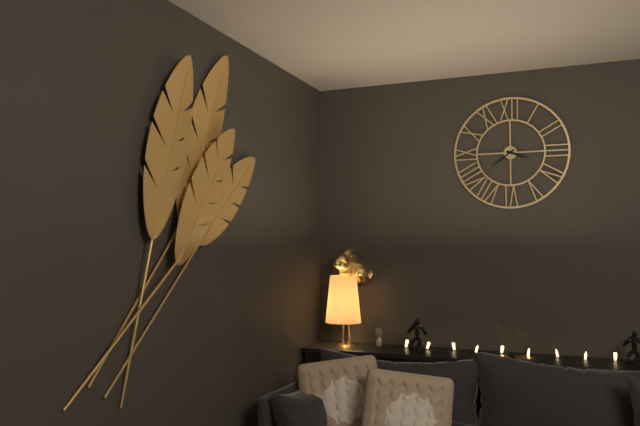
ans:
**3:39**
